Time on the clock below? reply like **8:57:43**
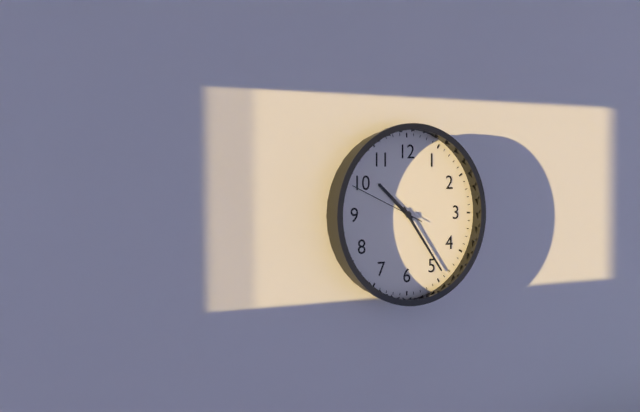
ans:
**10:24:49**
